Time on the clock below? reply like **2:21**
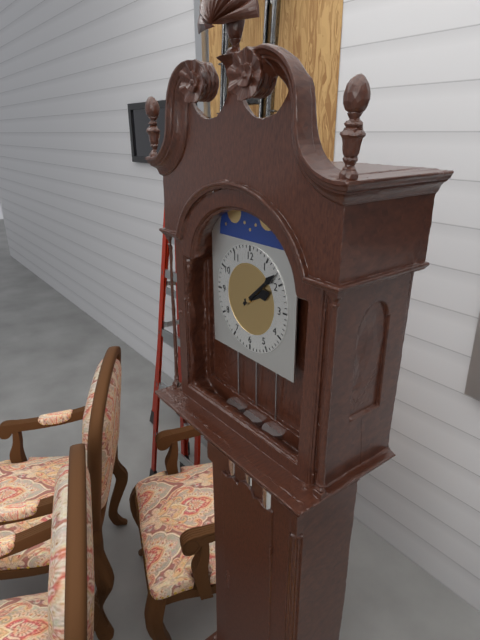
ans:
**2:08**
